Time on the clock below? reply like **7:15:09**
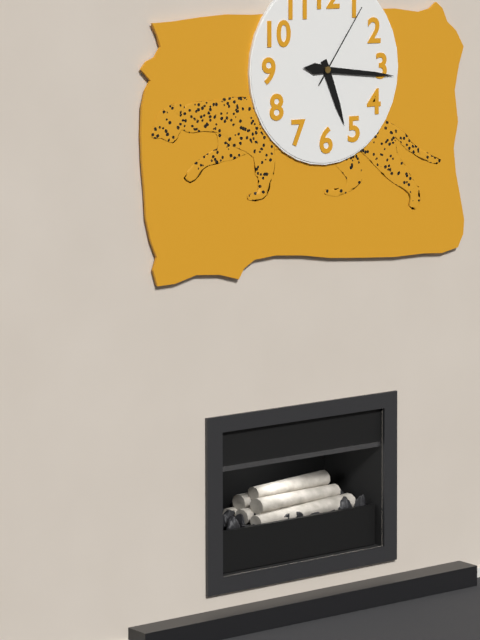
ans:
**5:16:06**
